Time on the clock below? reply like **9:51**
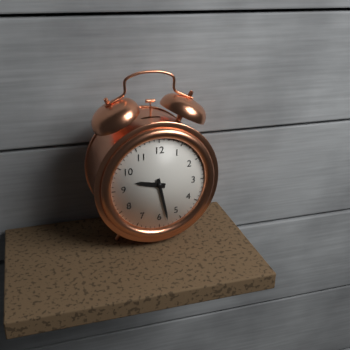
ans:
**9:28**
